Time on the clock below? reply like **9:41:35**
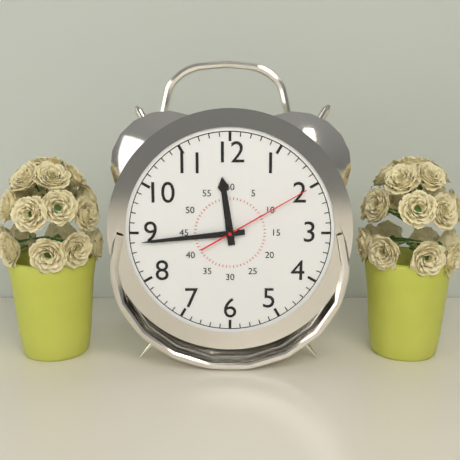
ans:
**11:44:10**
